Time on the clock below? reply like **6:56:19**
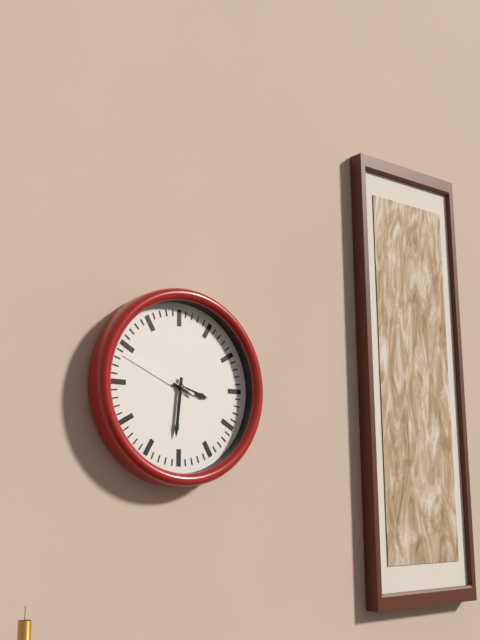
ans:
**3:31:49**
